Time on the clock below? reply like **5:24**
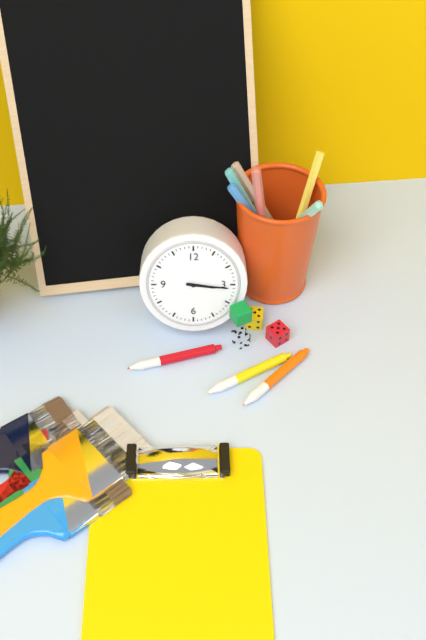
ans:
**3:16**
